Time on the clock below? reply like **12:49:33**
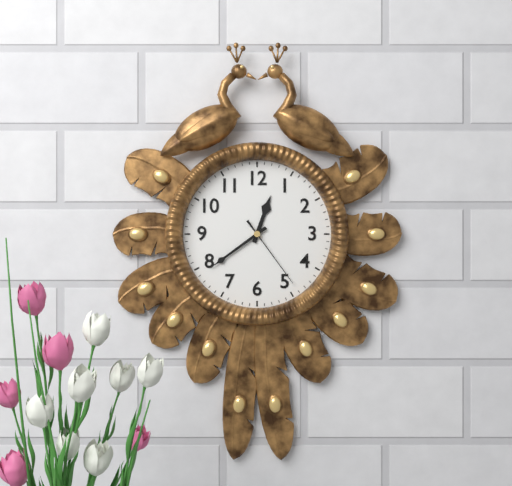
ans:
**12:39:24**
